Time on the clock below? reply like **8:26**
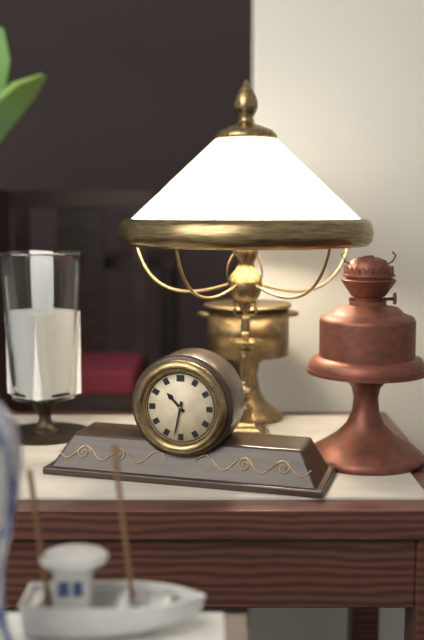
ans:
**10:32**
